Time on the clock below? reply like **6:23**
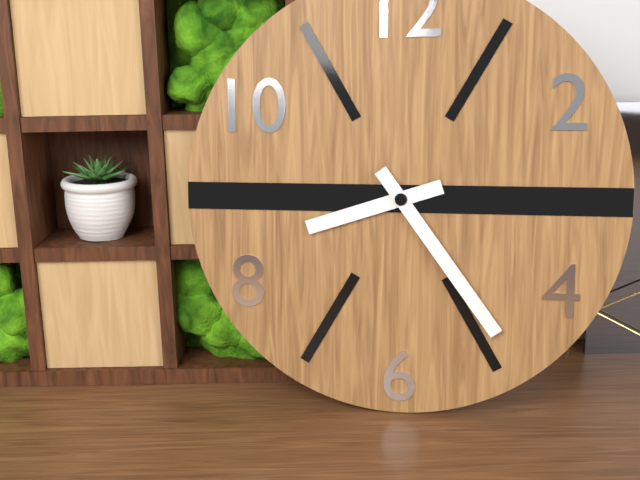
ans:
**8:24**
